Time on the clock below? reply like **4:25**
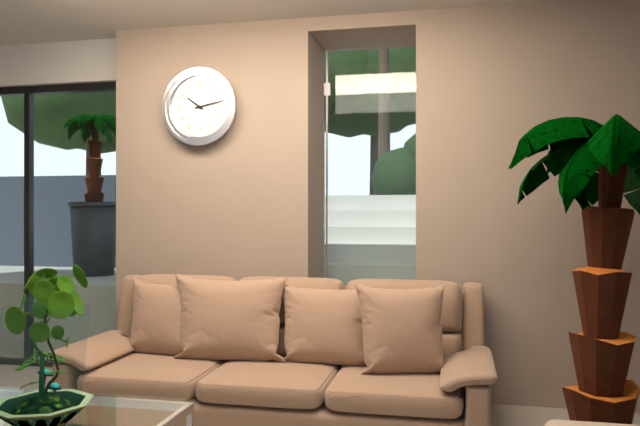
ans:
**10:13**
